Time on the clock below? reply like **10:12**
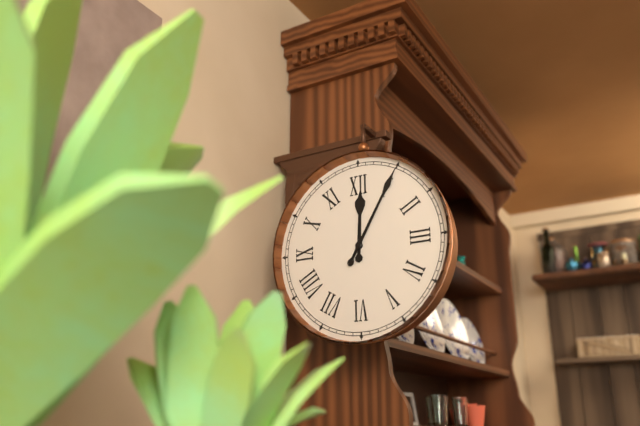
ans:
**12:05**
